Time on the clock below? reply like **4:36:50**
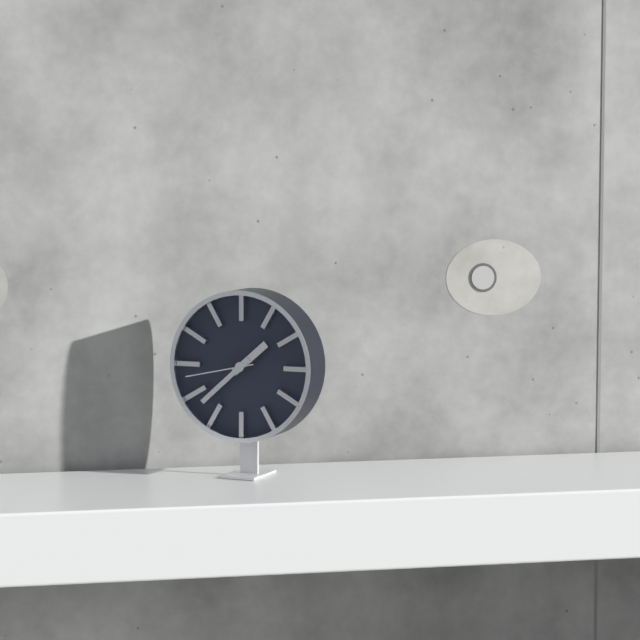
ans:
**1:38:43**
